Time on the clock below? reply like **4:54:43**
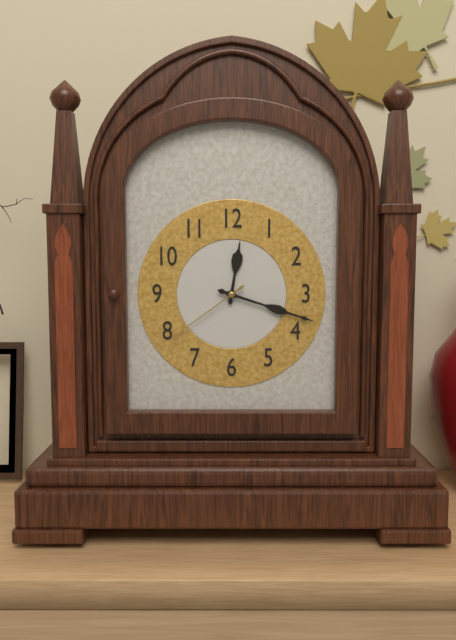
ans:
**12:18:39**
